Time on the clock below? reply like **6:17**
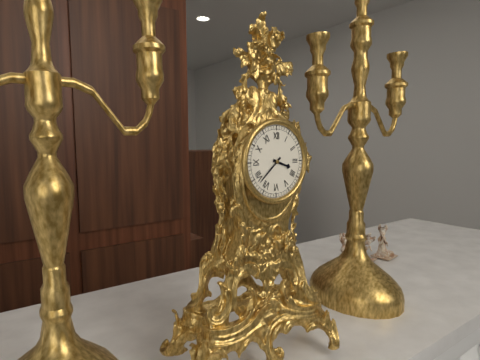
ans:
**3:38**
